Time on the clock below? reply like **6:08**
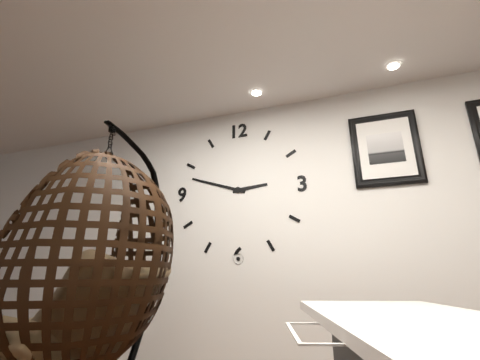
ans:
**2:48**
